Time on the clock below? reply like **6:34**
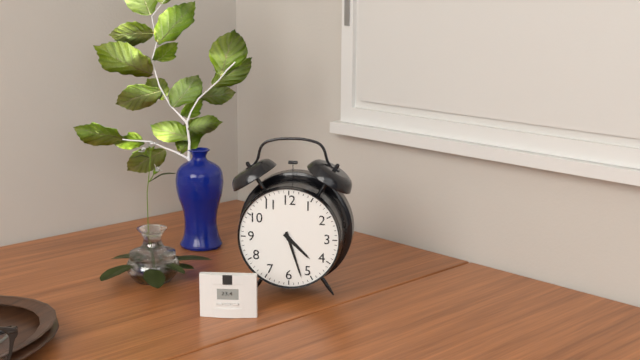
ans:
**4:27**
